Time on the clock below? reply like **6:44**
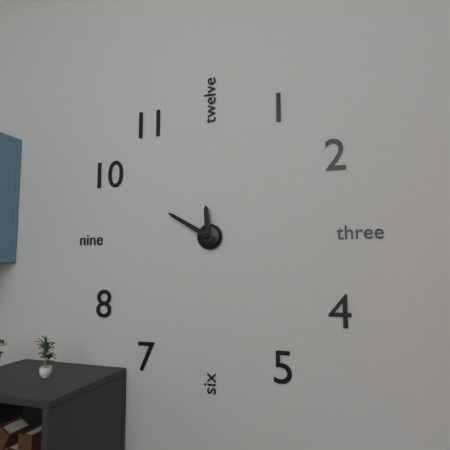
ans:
**11:50**
